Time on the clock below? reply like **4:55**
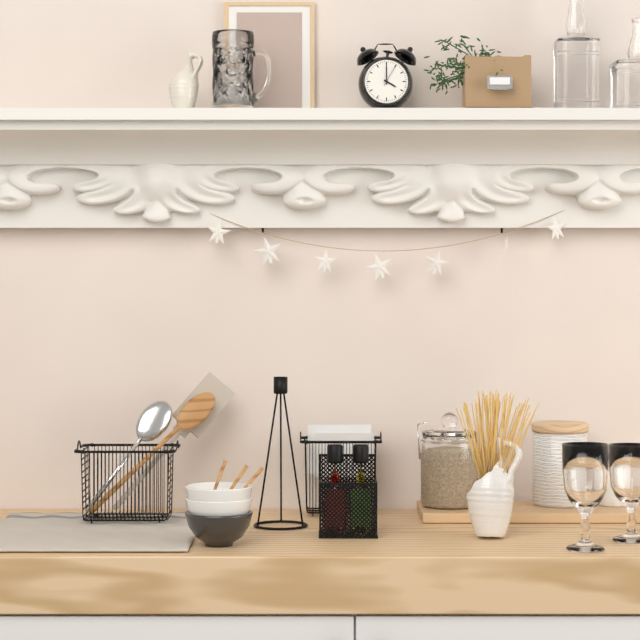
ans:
**4:00**
